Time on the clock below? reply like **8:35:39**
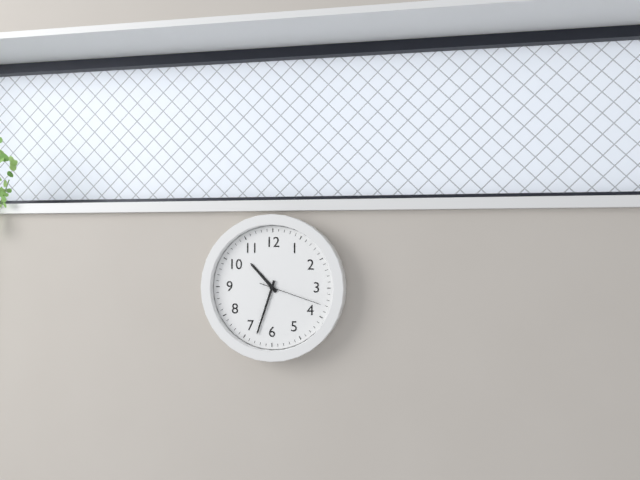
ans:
**10:33:18**
